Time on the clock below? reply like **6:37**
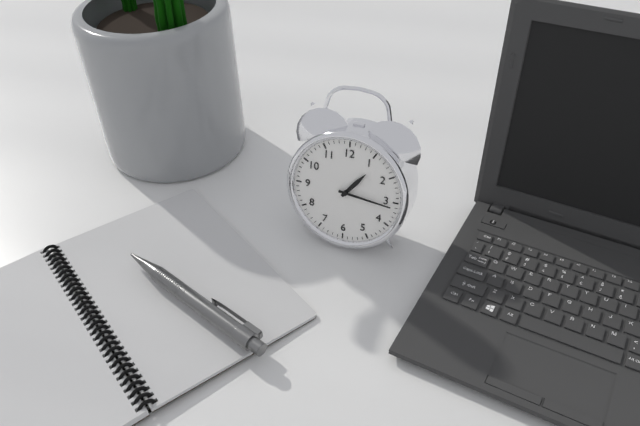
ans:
**1:16**
